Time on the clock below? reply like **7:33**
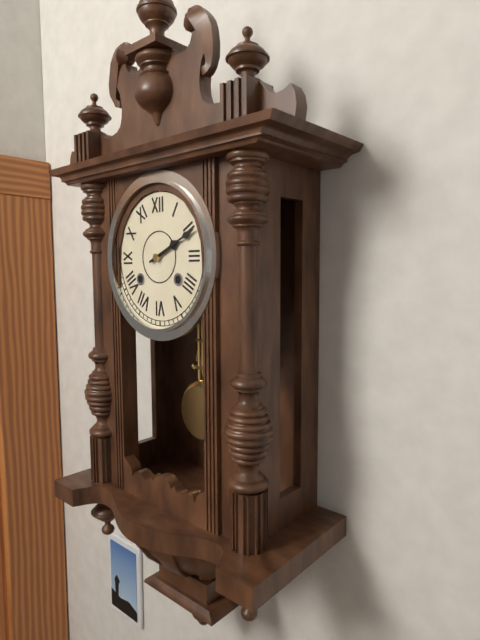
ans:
**2:11**
